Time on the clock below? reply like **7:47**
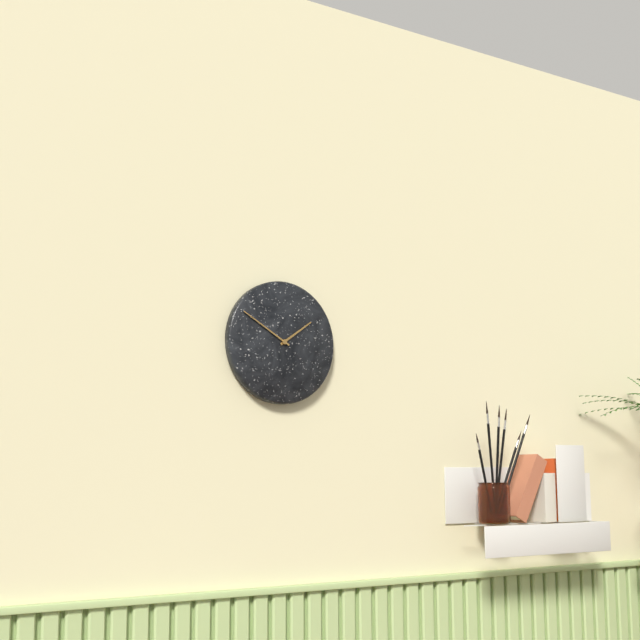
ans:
**1:50**
